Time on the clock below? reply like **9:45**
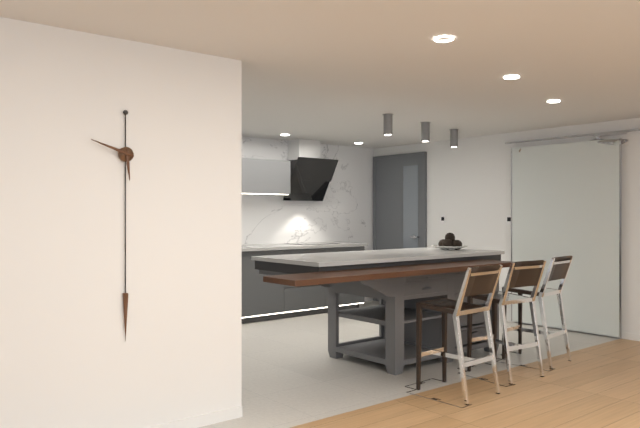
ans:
**5:48**
